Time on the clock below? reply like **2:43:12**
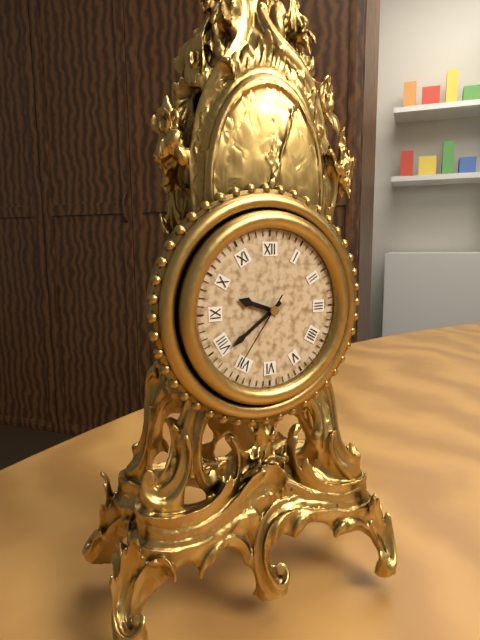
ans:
**9:39:36**
